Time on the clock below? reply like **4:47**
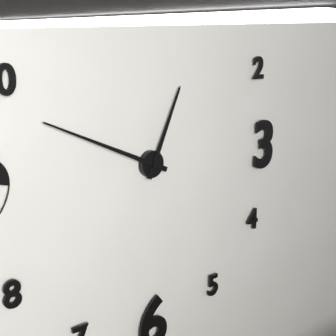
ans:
**12:49**
